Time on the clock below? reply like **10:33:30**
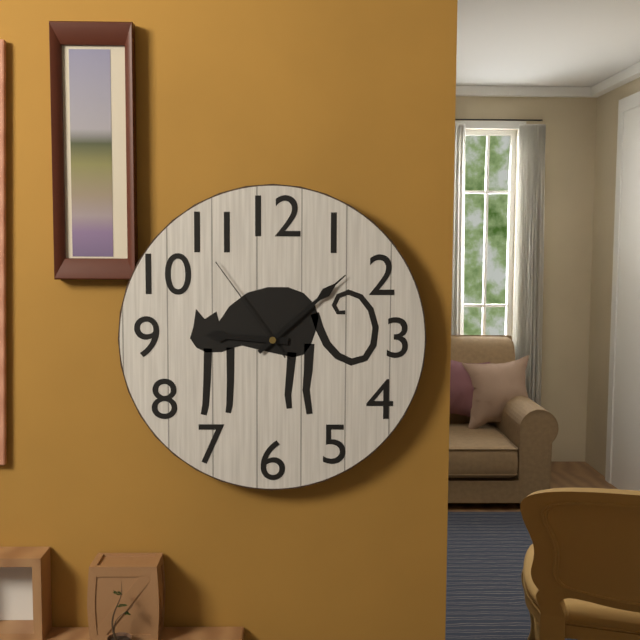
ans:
**9:08:54**
